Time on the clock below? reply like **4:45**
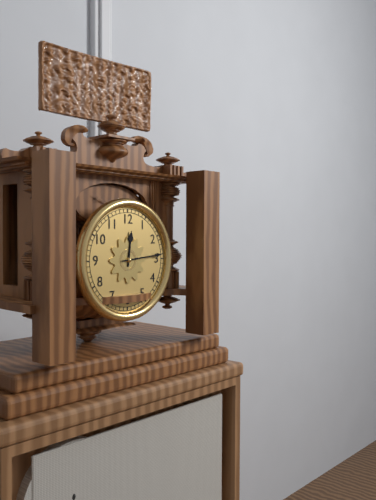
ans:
**12:14**
